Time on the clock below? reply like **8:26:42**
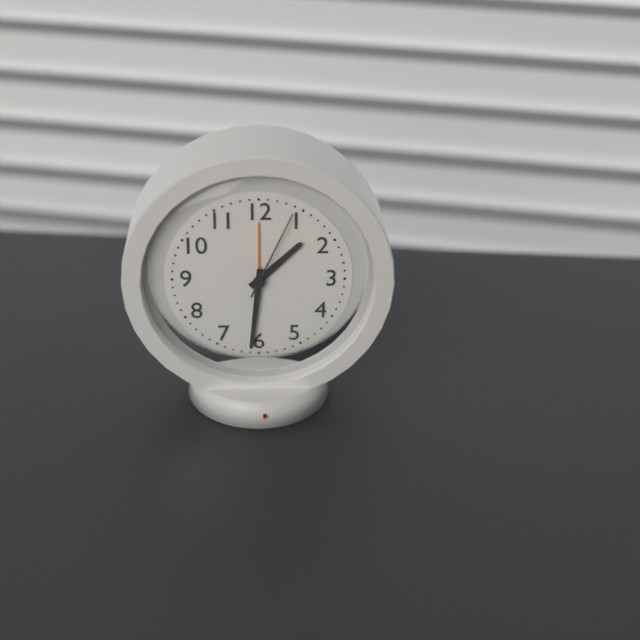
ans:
**1:31:04**
